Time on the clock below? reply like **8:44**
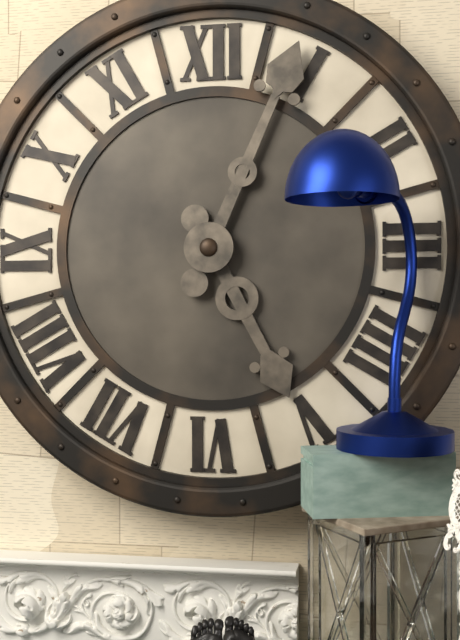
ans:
**5:04**
